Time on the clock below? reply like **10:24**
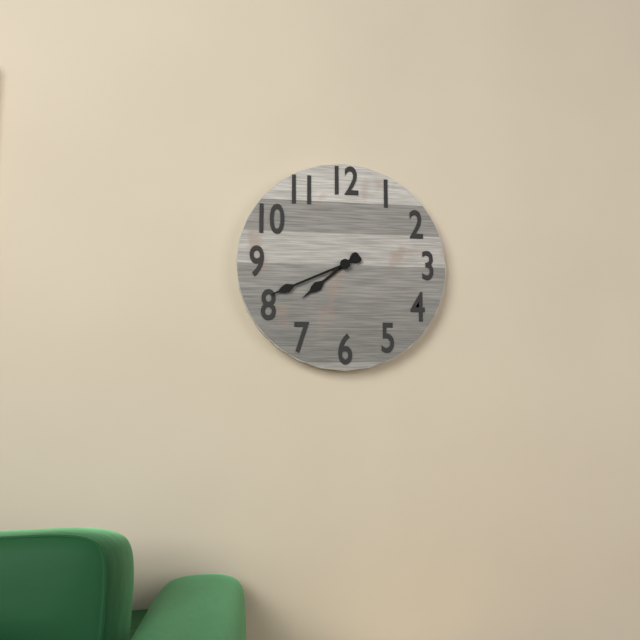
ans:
**7:41**
